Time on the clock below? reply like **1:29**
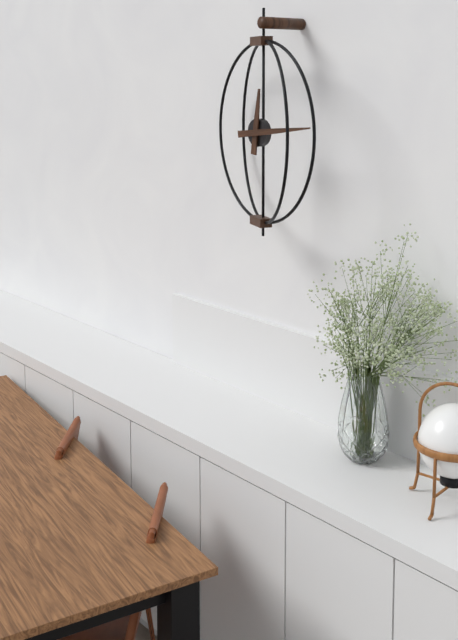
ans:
**12:14**
